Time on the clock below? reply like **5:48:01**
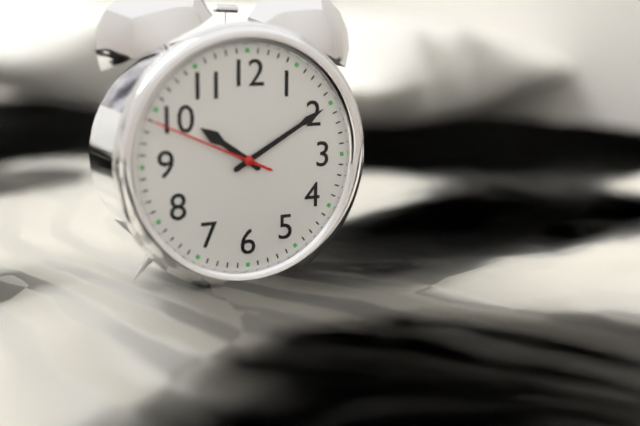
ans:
**10:10:49**
